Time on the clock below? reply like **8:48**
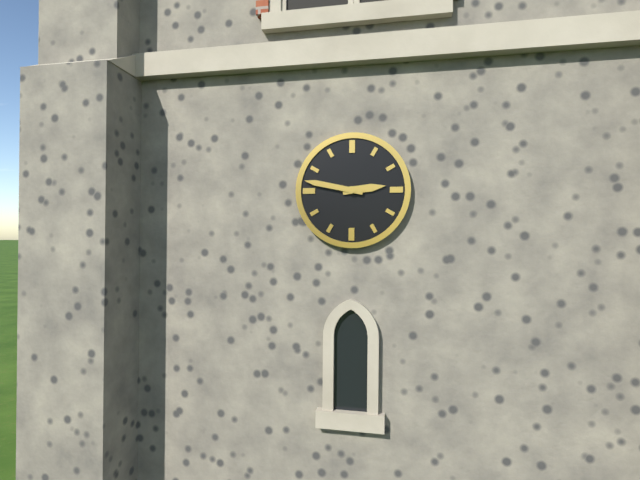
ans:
**2:47**
